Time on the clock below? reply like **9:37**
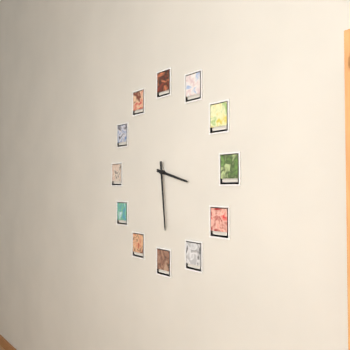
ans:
**3:29**
